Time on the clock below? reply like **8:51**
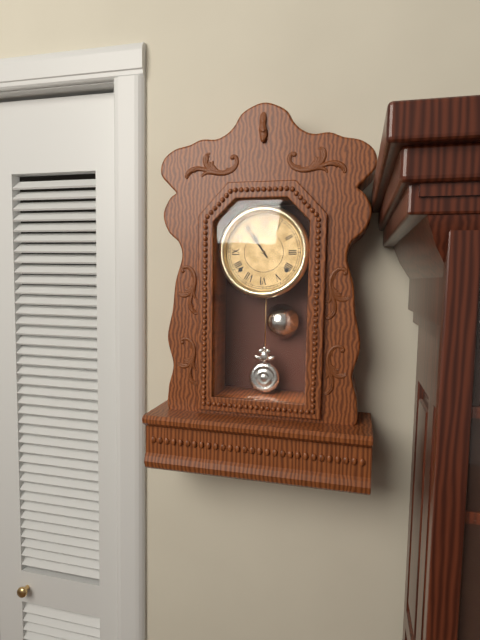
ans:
**10:54**
